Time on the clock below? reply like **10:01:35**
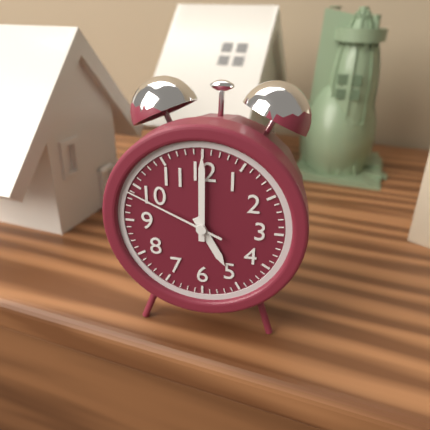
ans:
**5:00:49**
